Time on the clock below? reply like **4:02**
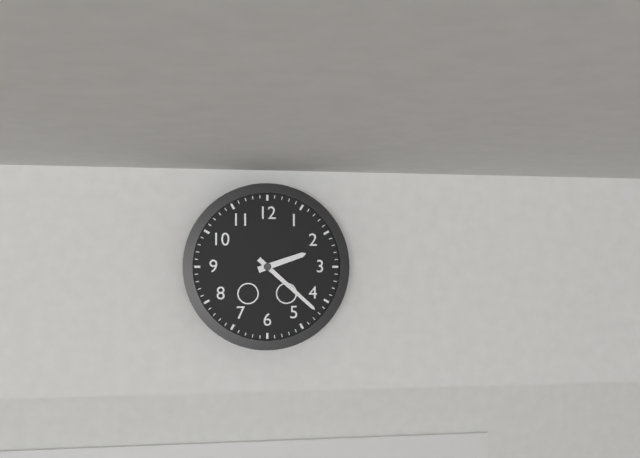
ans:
**2:22**
